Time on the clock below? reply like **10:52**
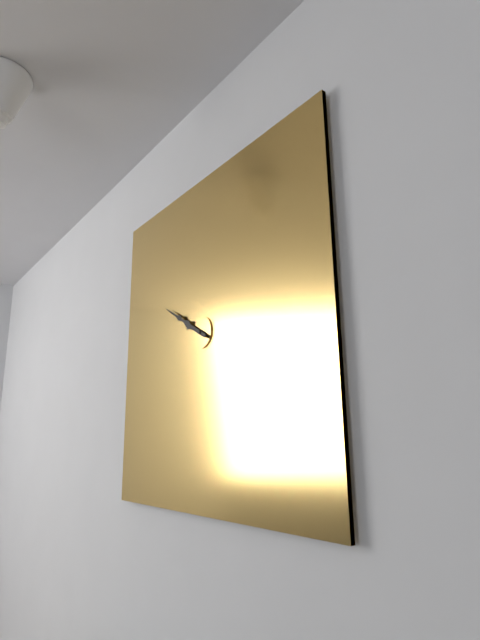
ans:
**9:50**
